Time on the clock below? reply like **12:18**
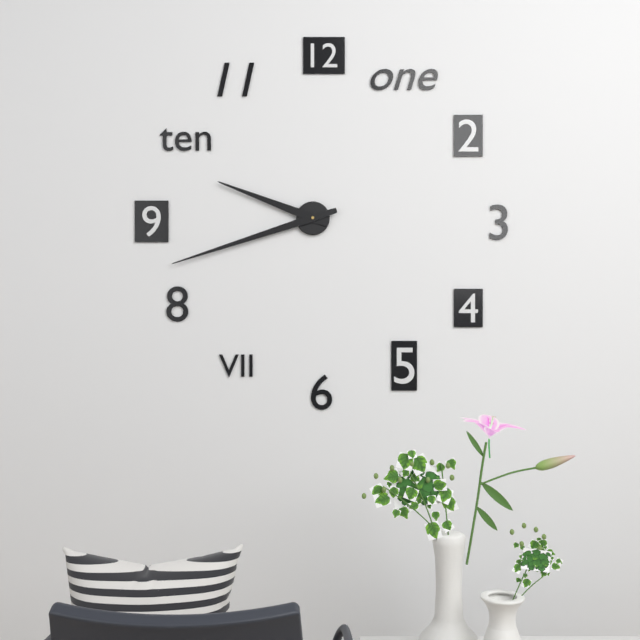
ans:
**9:42**
